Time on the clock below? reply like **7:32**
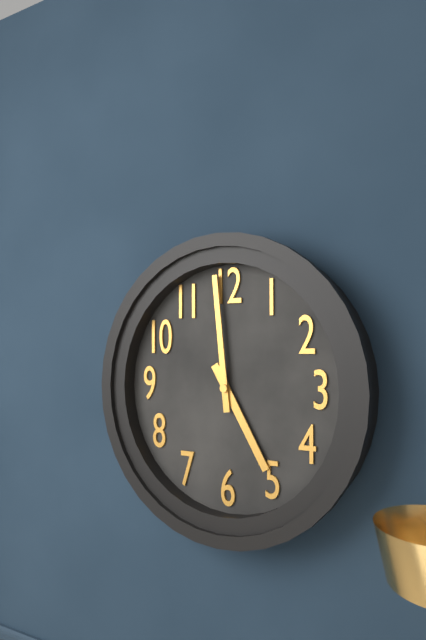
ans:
**4:59**
